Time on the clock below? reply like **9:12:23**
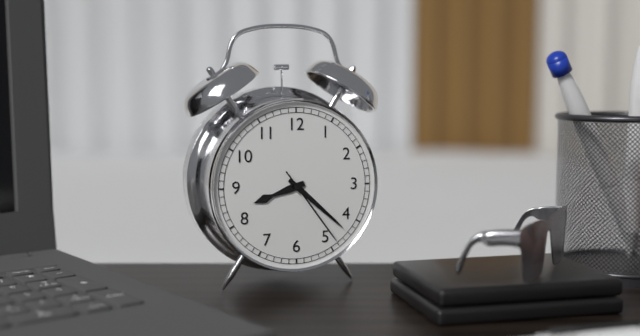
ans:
**8:22:24**
